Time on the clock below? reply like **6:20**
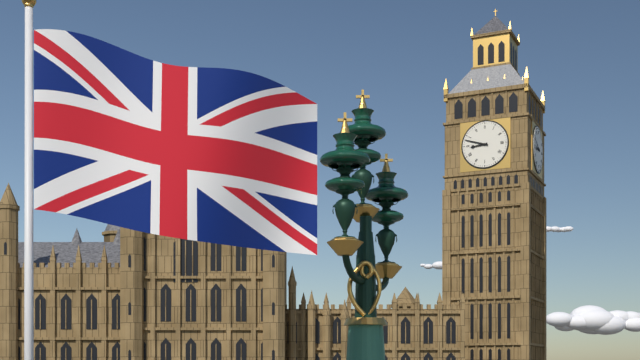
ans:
**8:48**
